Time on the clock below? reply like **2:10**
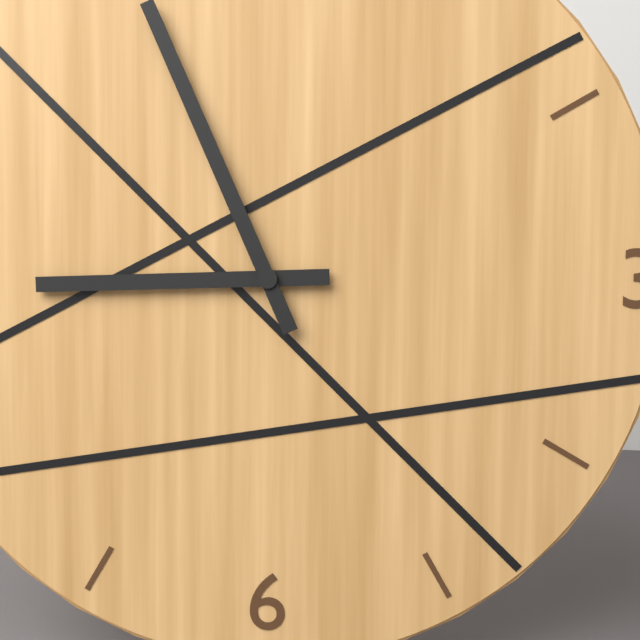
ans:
**8:56**
